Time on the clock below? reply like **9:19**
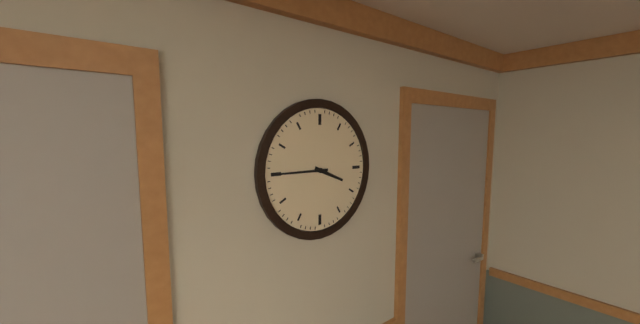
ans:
**3:45**
